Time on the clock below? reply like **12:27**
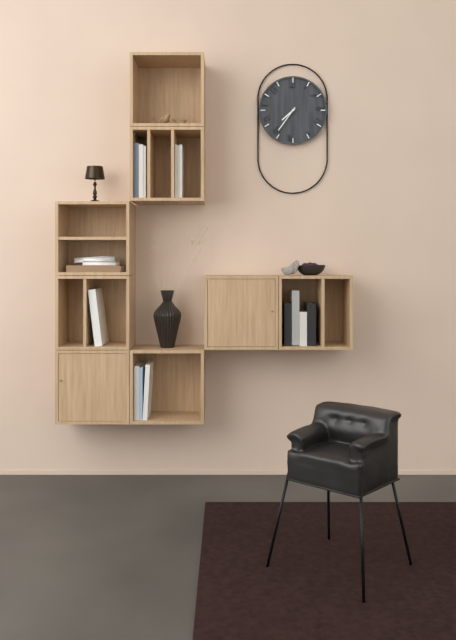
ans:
**7:36**
